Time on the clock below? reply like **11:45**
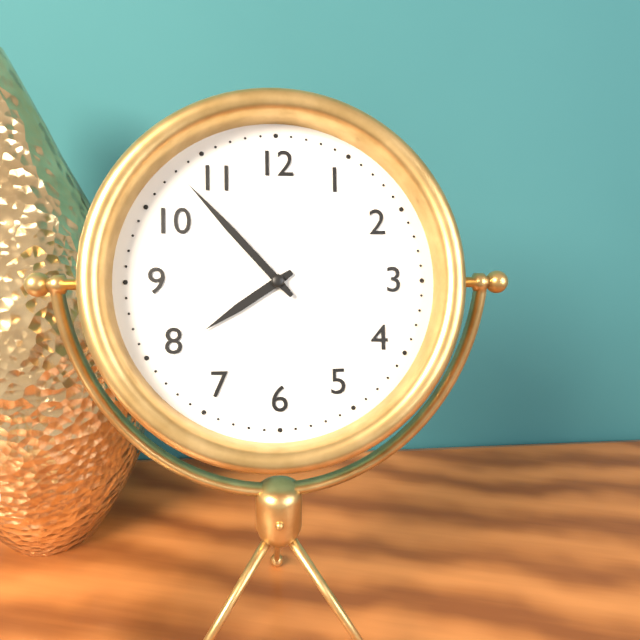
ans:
**7:53**
